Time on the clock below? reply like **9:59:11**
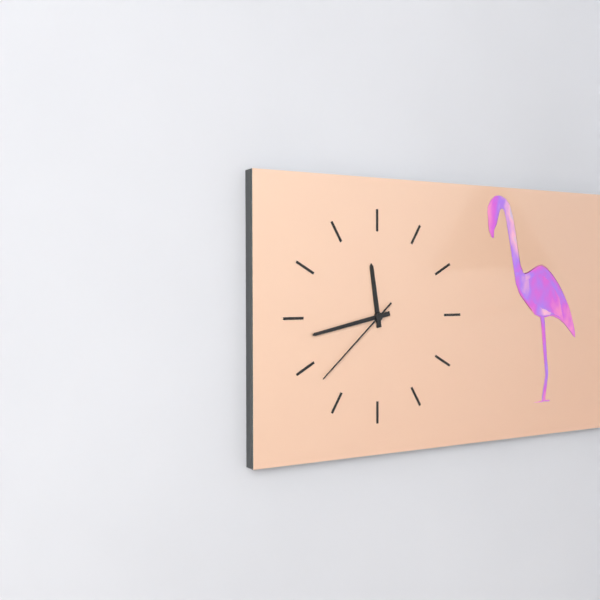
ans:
**11:43:38**
